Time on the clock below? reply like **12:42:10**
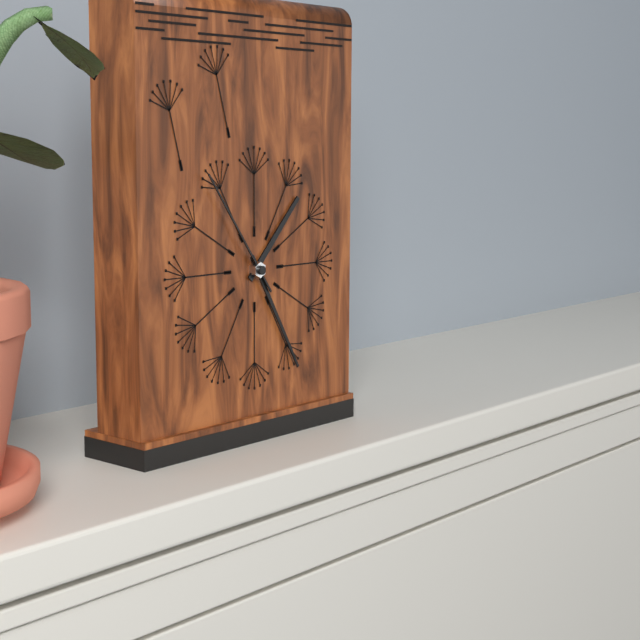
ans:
**1:25:54**
